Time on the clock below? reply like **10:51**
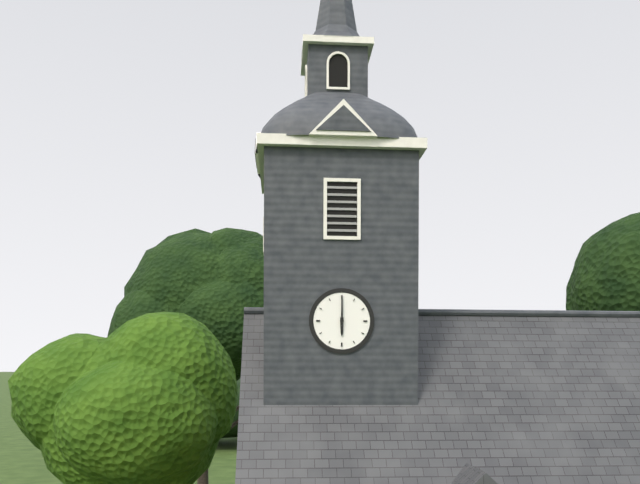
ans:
**6:00**
